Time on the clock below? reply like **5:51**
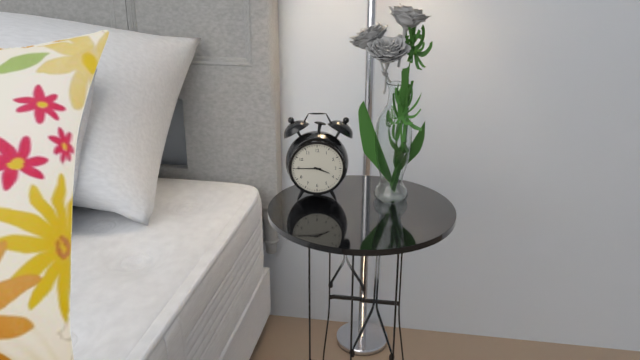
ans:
**3:45**
